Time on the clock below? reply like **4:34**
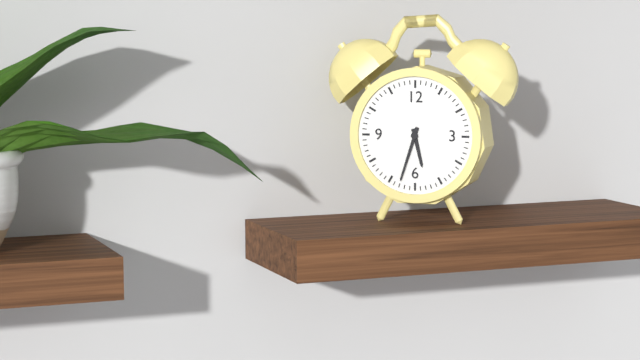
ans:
**5:33**
